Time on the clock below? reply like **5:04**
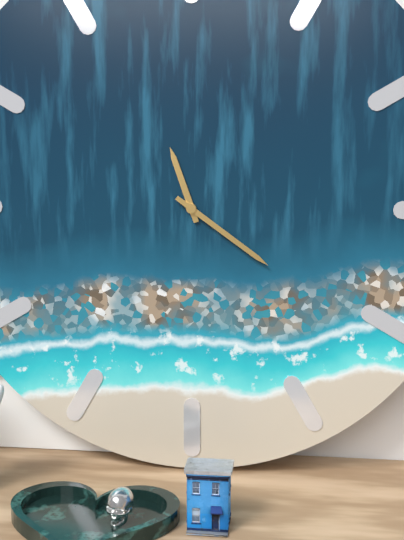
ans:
**11:21**
